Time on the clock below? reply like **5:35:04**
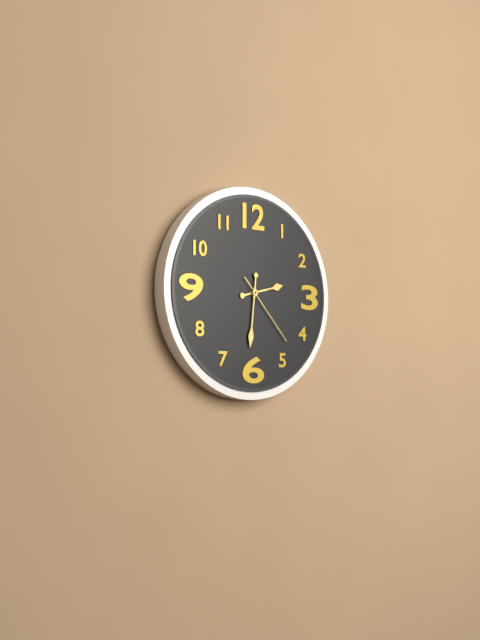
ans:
**2:31:23**
